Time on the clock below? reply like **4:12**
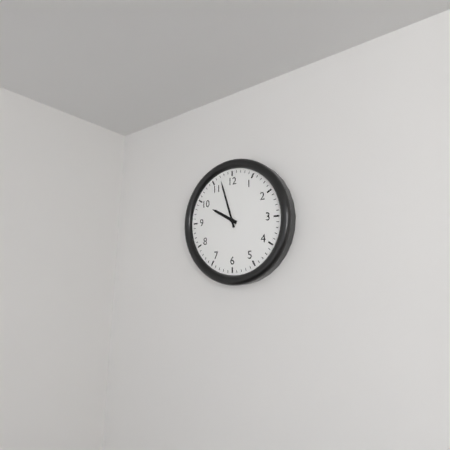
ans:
**9:57**
